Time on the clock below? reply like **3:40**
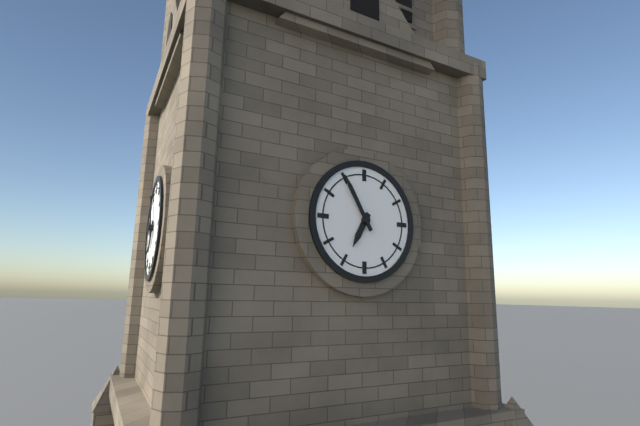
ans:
**6:55**
